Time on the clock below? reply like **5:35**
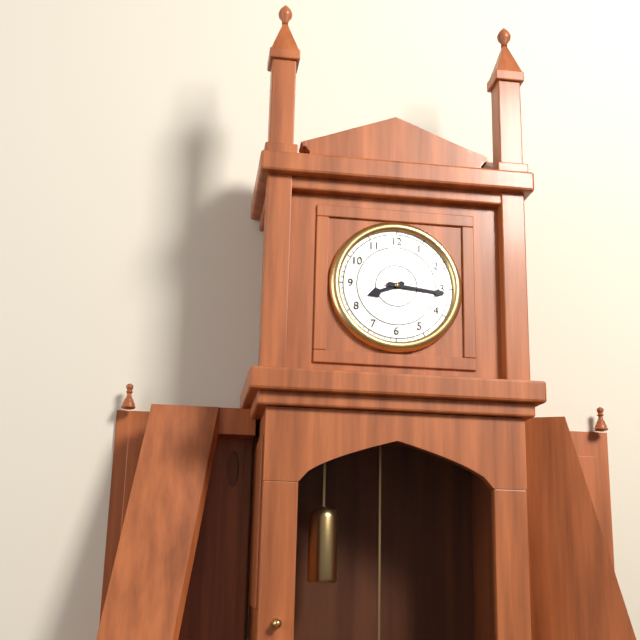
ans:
**8:16**
